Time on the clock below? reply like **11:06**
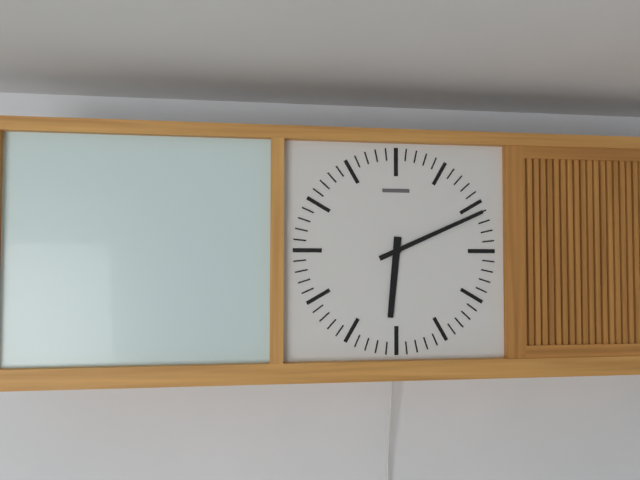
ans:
**6:11**
